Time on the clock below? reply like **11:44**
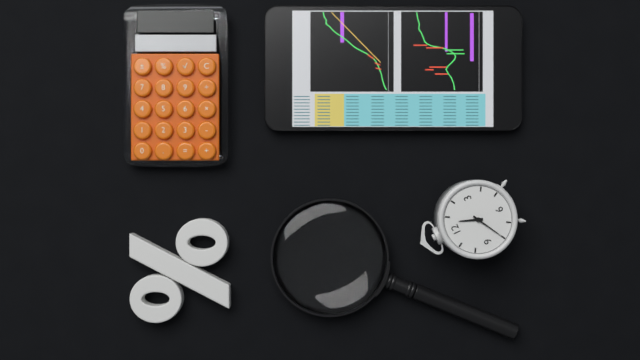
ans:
**12:40**
